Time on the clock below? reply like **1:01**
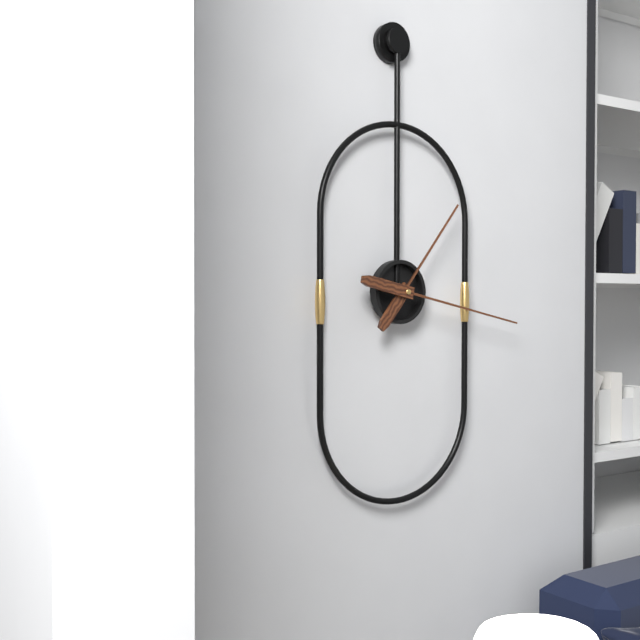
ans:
**1:17**
